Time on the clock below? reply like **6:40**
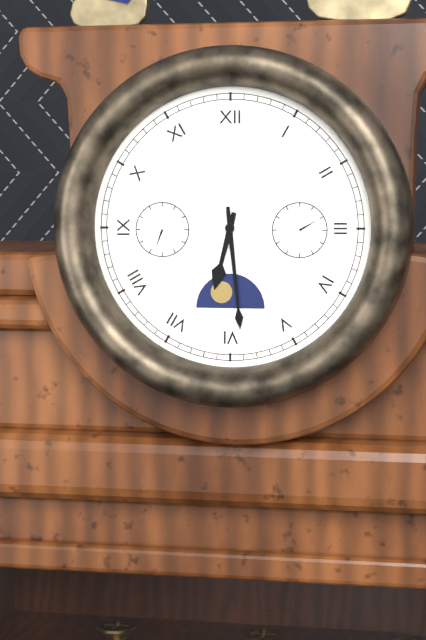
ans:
**6:29**
